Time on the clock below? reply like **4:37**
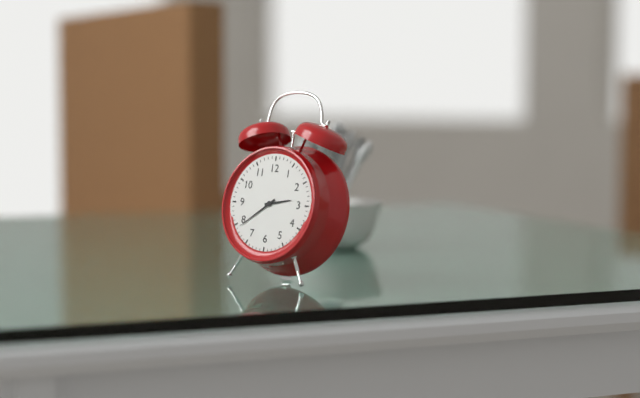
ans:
**2:39**
